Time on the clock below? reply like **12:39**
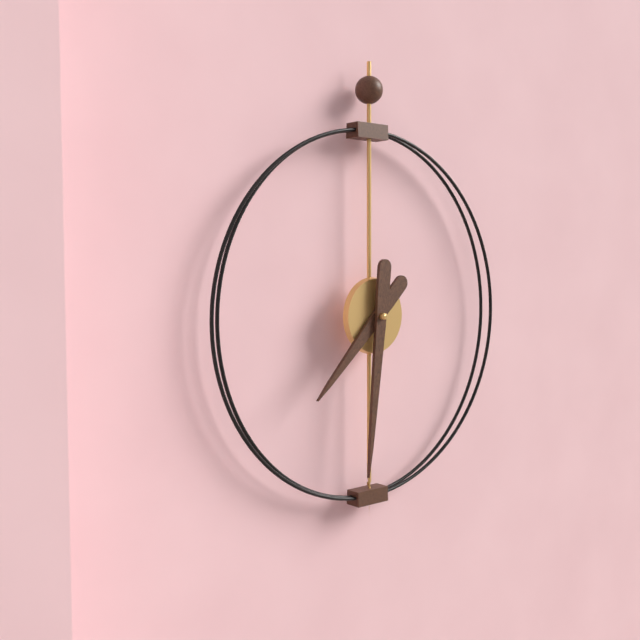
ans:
**7:31**
